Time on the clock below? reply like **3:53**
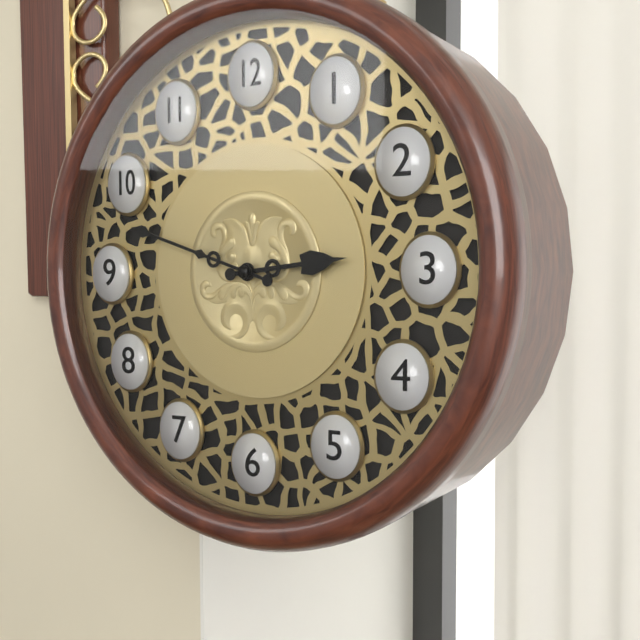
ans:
**2:48**
